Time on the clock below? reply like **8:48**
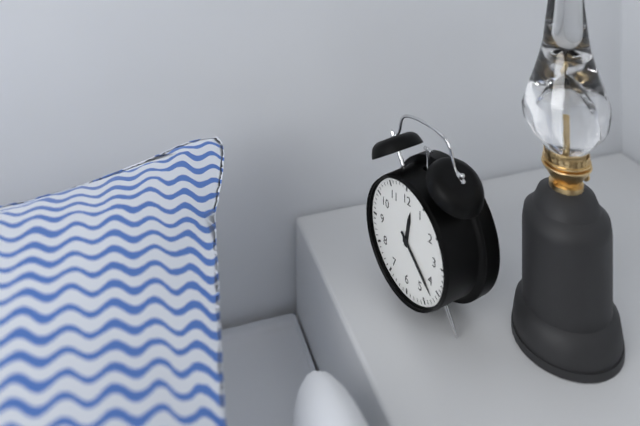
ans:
**12:22**
